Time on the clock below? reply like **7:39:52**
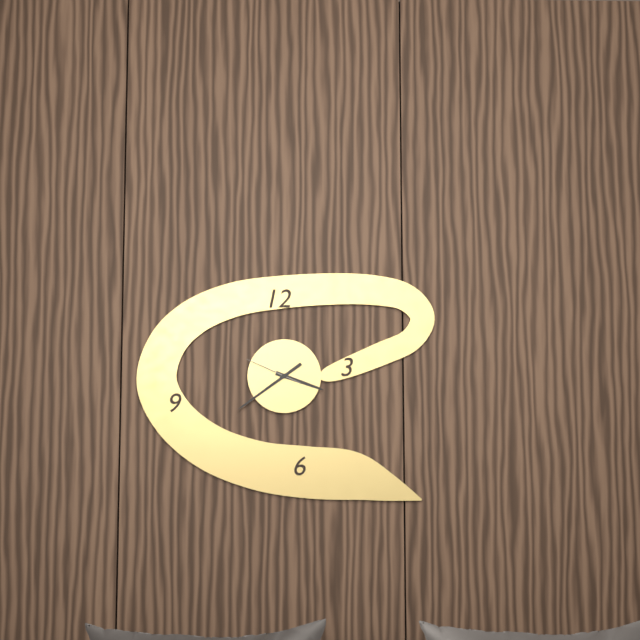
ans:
**3:39:49**
